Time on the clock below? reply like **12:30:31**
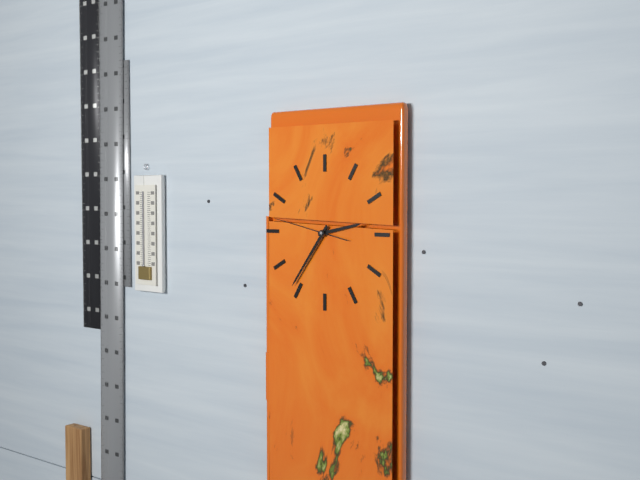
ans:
**2:36:47**
